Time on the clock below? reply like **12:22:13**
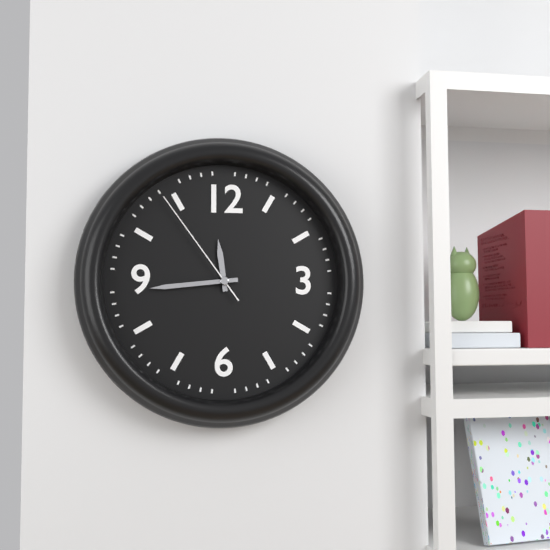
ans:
**11:44:54**
